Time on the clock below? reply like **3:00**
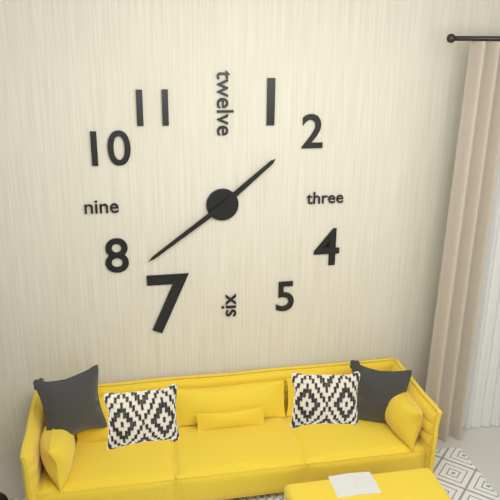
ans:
**1:39**
